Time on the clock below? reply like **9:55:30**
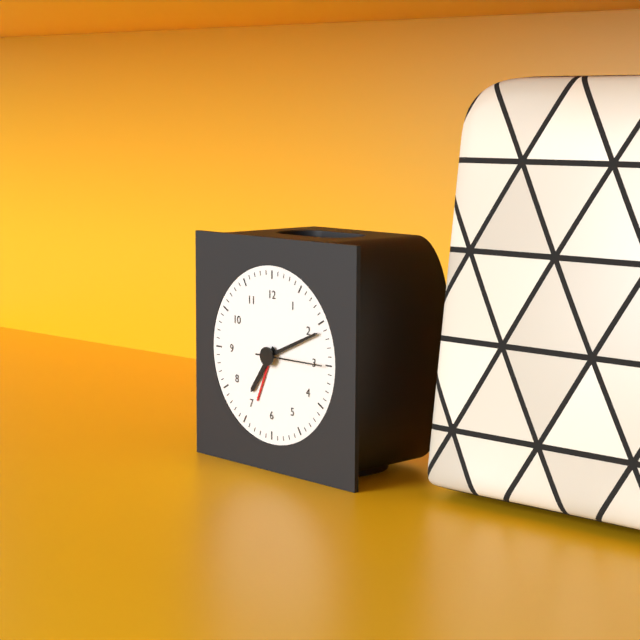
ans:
**7:11:15**
